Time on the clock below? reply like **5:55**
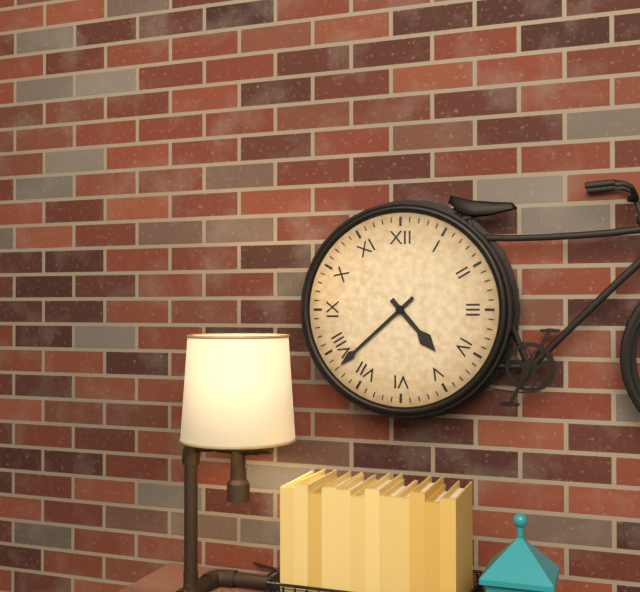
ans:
**4:38**
